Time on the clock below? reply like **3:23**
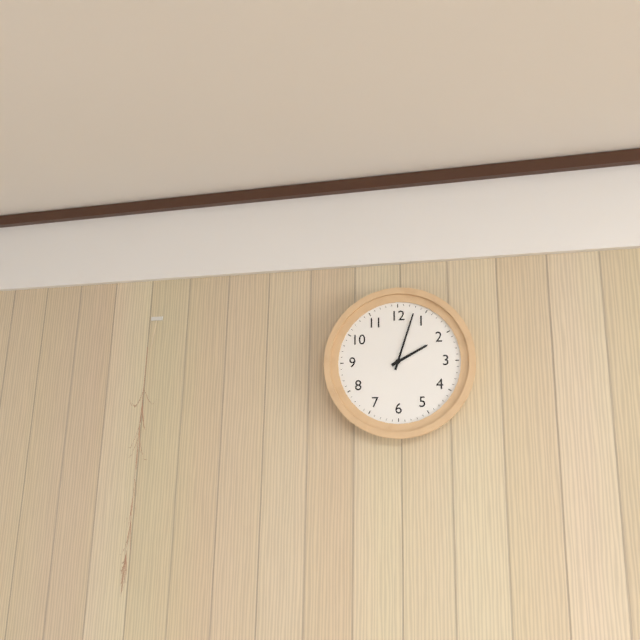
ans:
**2:03**
